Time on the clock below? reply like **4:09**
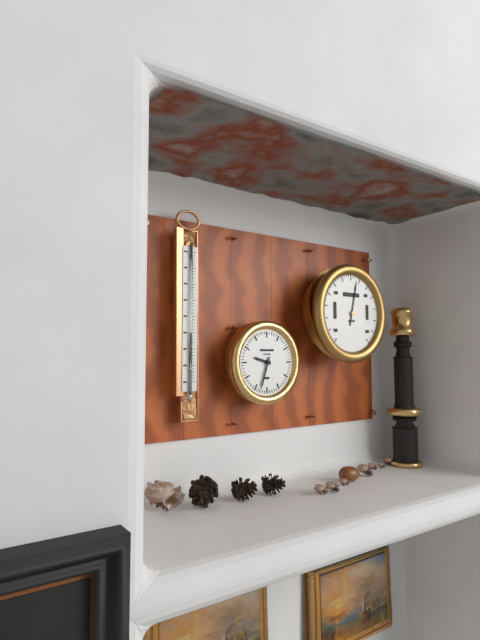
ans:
**9:33**
